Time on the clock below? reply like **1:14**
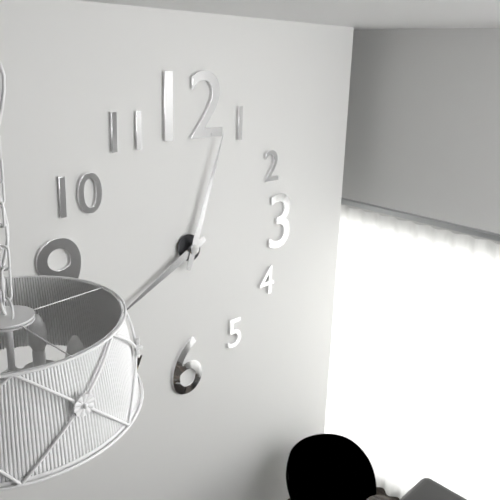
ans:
**8:03**
